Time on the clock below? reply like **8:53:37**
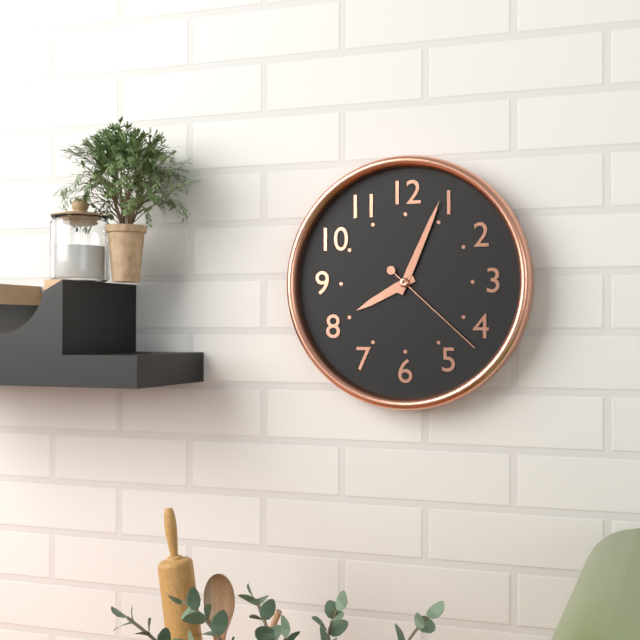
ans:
**8:04:22**
